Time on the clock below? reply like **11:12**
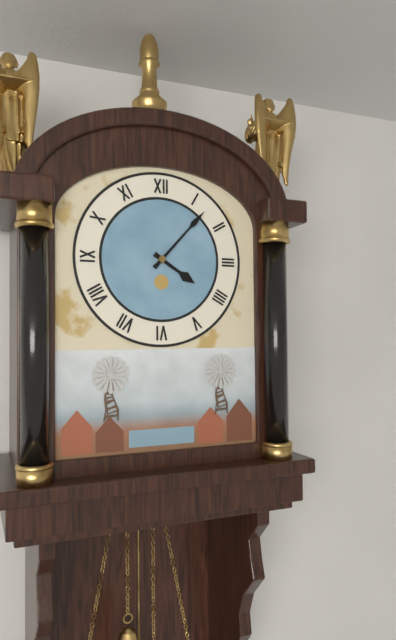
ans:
**4:07**
